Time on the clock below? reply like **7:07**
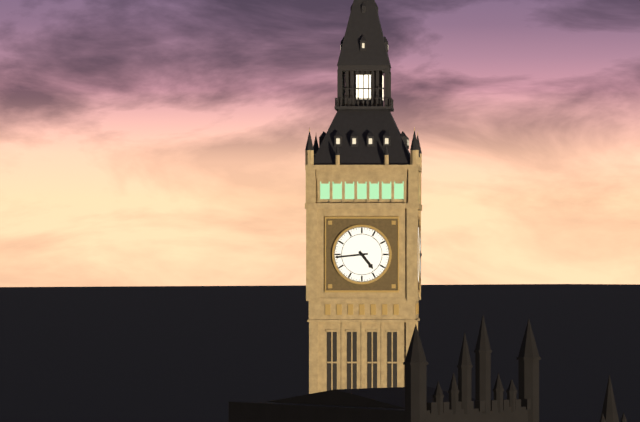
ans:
**4:44**
